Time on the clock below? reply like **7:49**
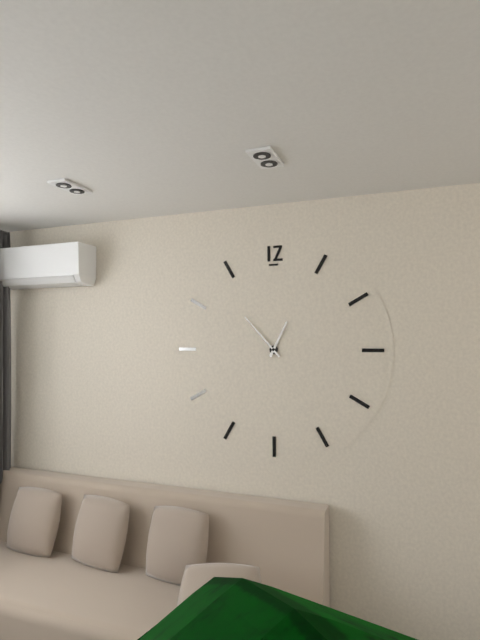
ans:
**12:53**
